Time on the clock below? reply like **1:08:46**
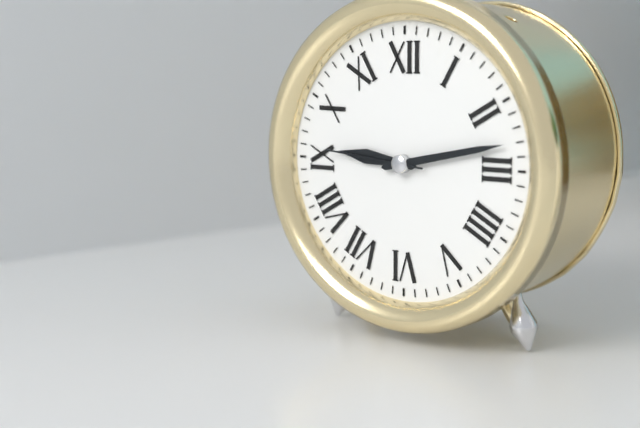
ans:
**9:13:46**
